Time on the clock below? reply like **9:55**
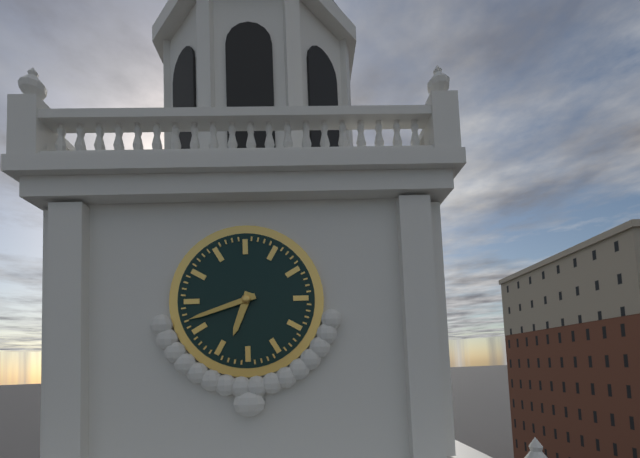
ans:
**6:42**
